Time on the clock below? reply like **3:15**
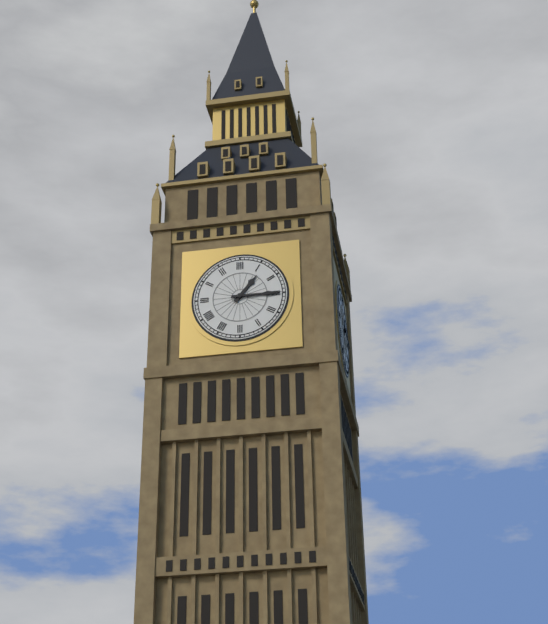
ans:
**1:15**
